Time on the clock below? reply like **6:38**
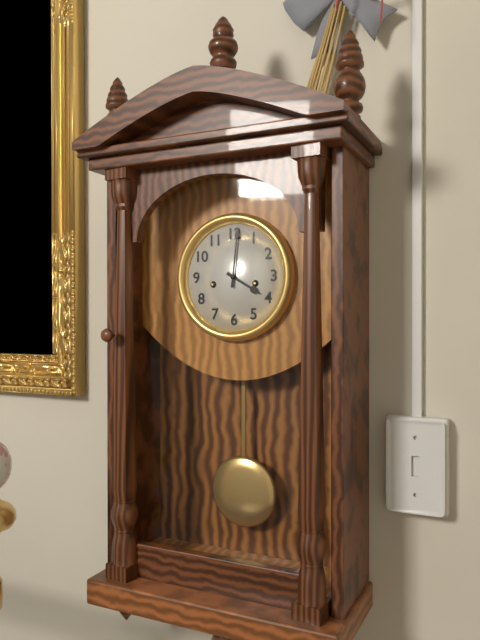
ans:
**4:01**
